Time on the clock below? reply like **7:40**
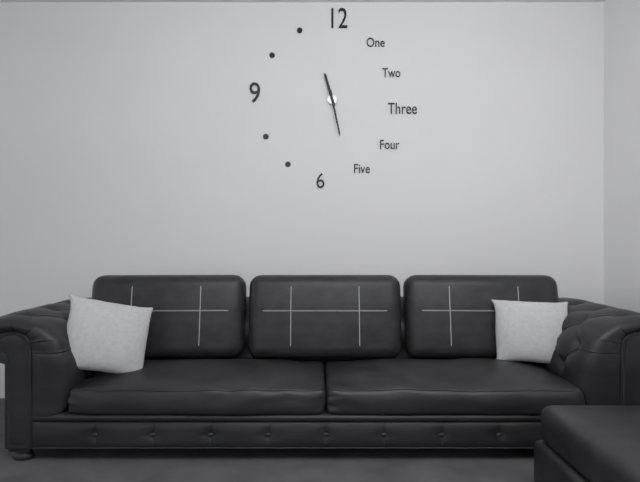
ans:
**11:28**
